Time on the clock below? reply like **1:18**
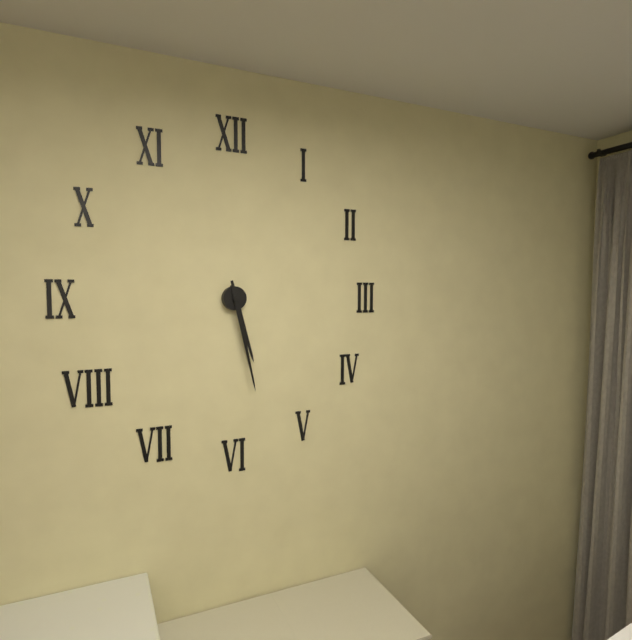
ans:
**5:28**
